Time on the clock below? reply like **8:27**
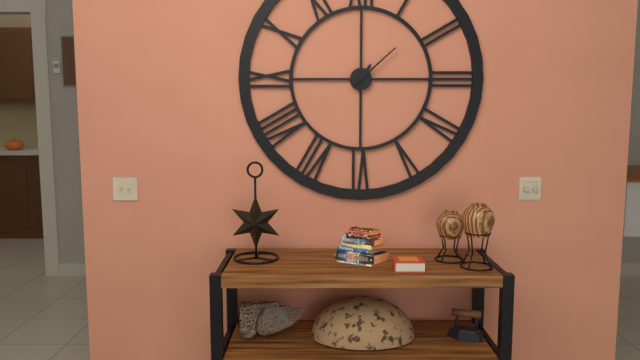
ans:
**1:08**
